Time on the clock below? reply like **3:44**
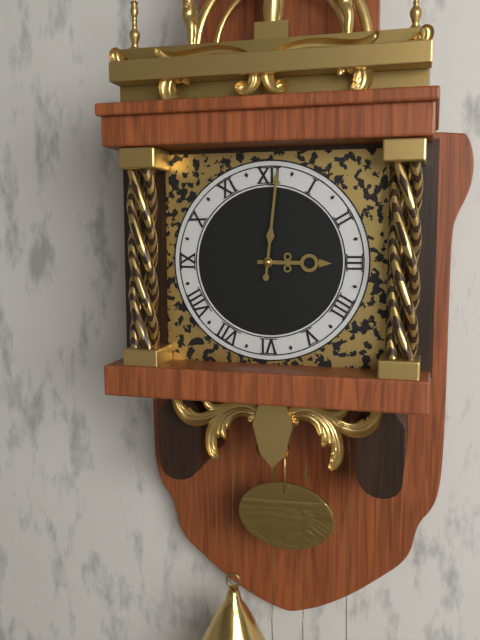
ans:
**3:01**
